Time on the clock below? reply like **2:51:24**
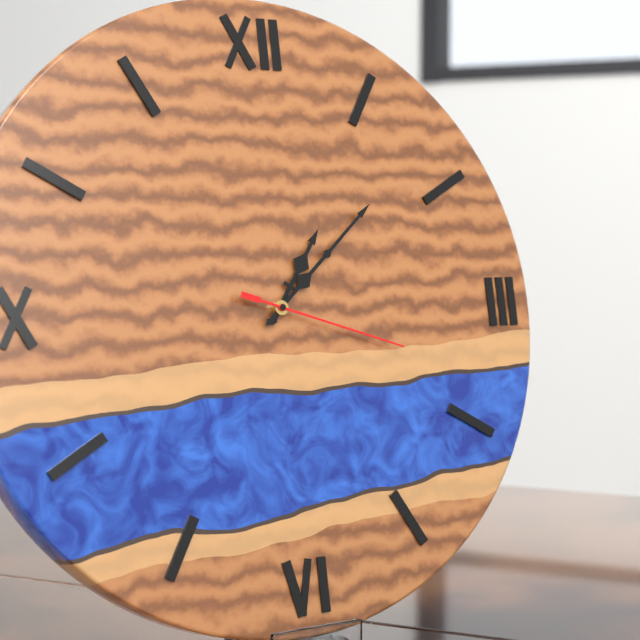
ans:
**1:08:18**
